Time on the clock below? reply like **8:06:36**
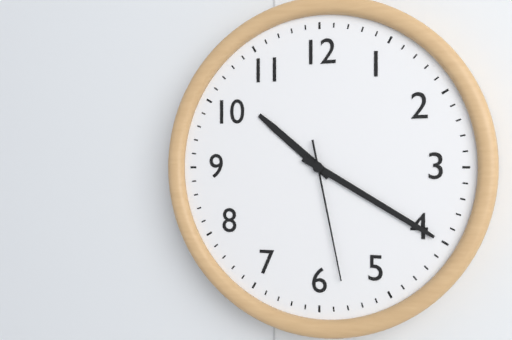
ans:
**10:20:28**
